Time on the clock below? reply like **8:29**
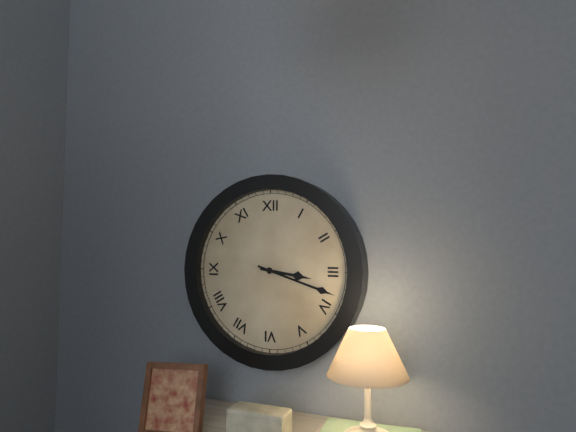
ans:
**3:18**
